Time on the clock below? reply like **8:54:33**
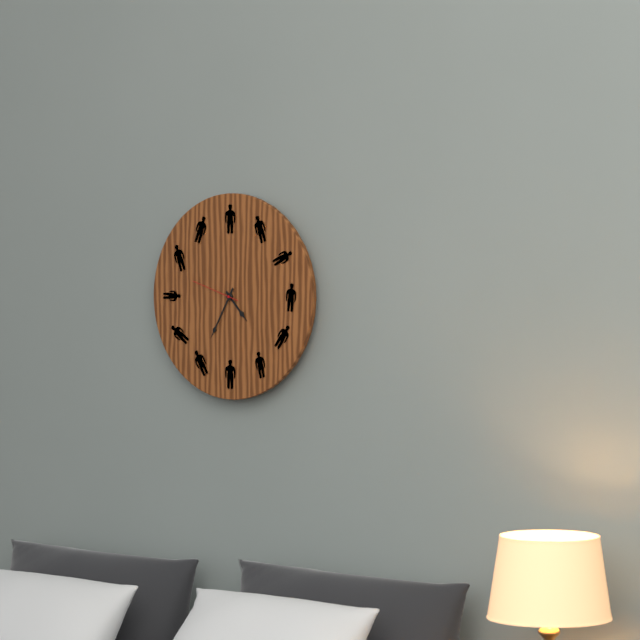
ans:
**4:35:48**
